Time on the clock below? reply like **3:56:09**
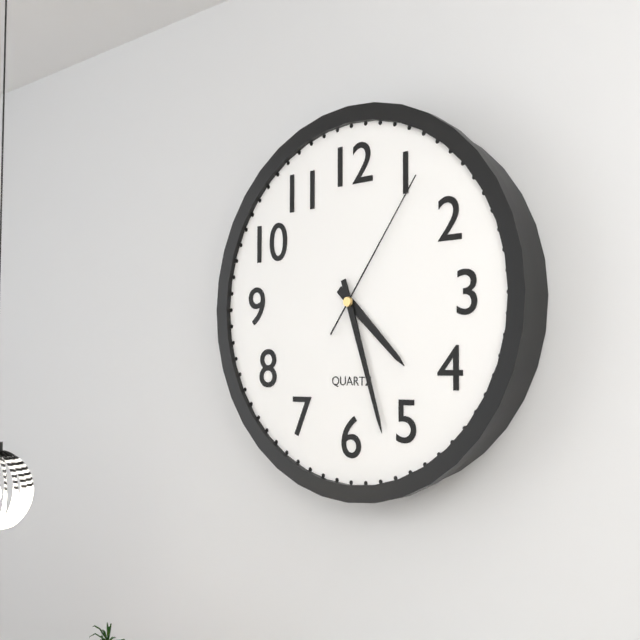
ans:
**4:27:06**
